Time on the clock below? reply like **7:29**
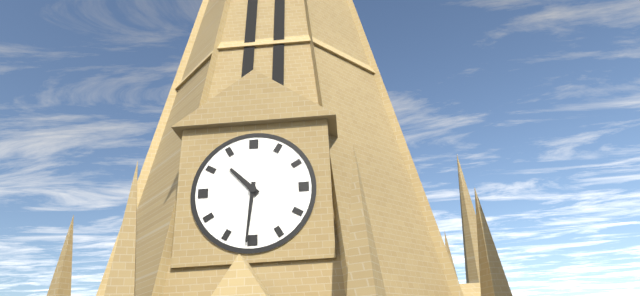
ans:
**10:31**
